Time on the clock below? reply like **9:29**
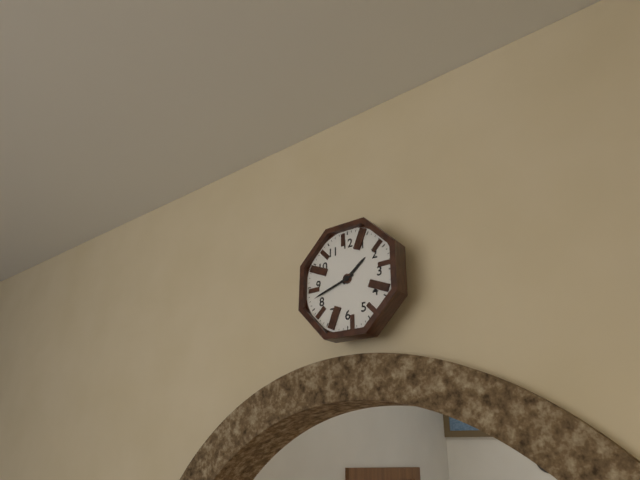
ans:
**1:42**
